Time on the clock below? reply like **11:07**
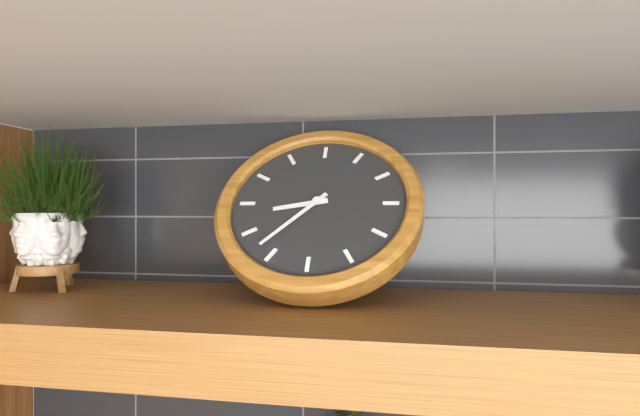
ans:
**8:37**
